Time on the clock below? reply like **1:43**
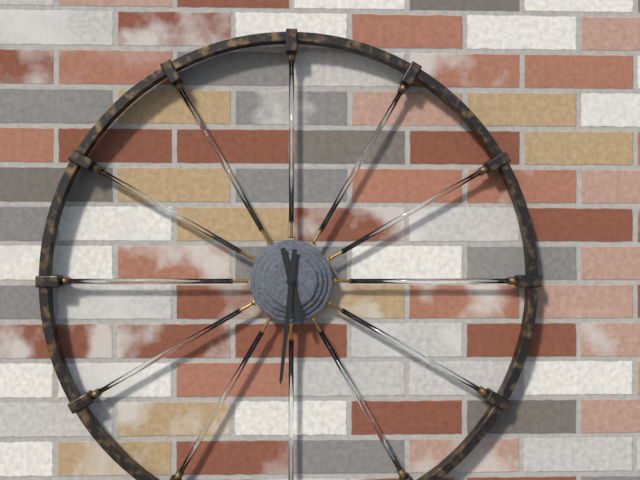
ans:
**5:31**
